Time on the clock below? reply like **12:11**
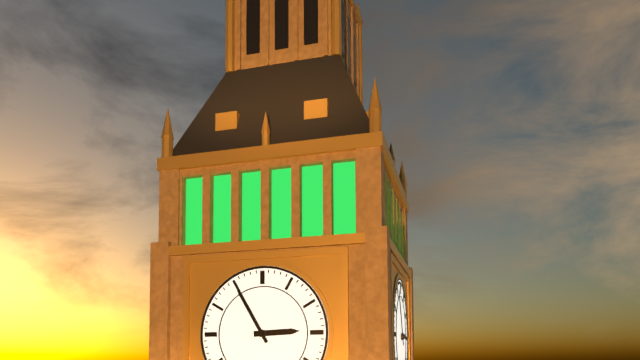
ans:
**2:55**
